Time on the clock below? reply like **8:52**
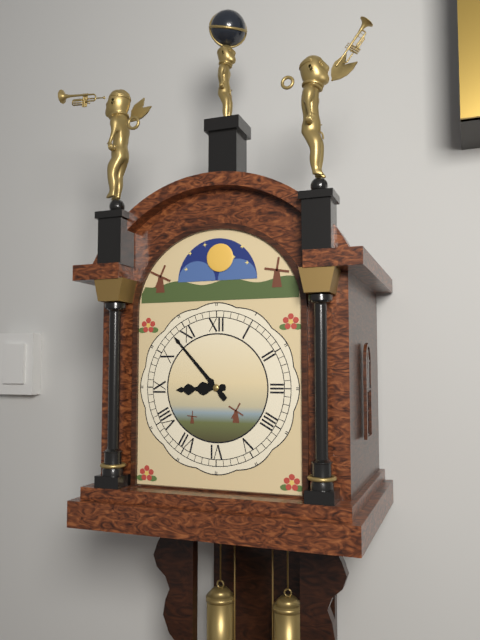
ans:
**8:53**
